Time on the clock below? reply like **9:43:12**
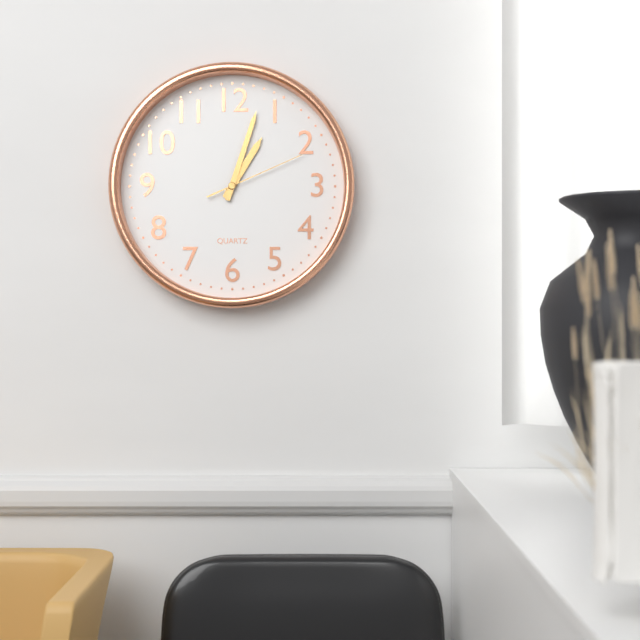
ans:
**1:03:11**
